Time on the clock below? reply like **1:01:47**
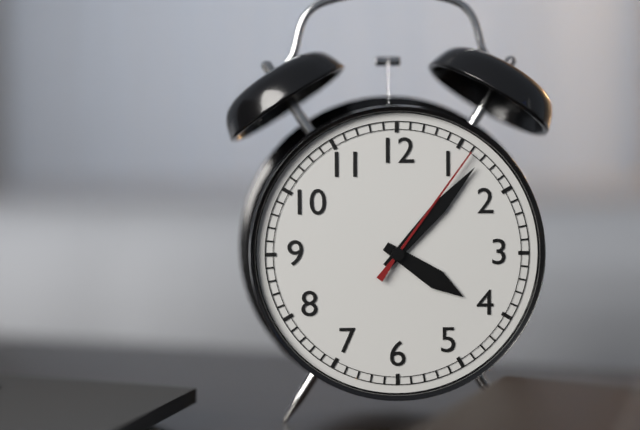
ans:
**4:07:06**
